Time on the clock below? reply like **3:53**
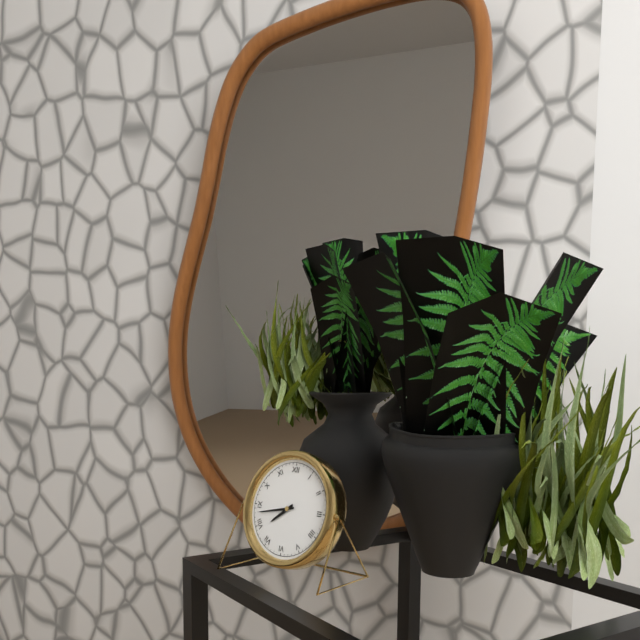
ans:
**7:43**
